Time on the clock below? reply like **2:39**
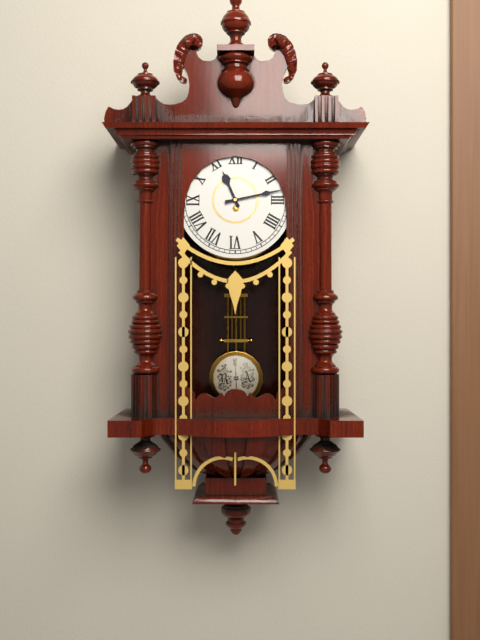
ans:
**11:13**
